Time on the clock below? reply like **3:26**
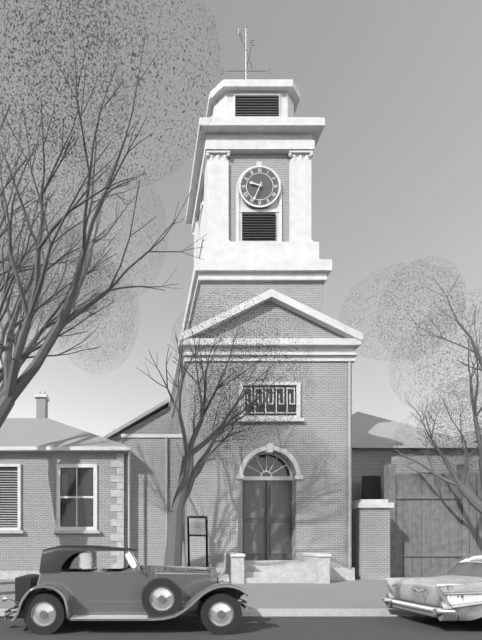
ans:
**9:34**
